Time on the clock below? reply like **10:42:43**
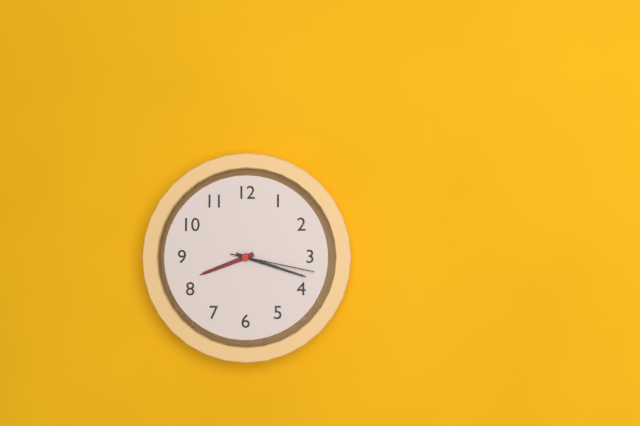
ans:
**8:18:17**
